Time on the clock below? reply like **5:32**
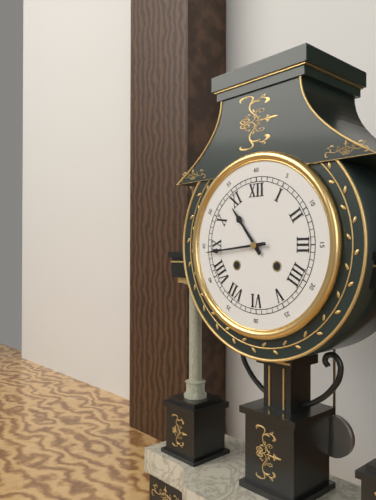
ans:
**10:44**
